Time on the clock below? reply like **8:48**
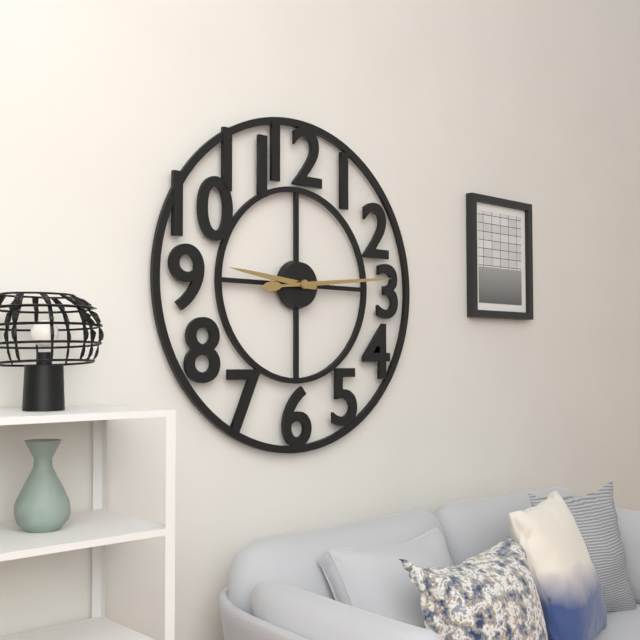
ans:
**9:14**
